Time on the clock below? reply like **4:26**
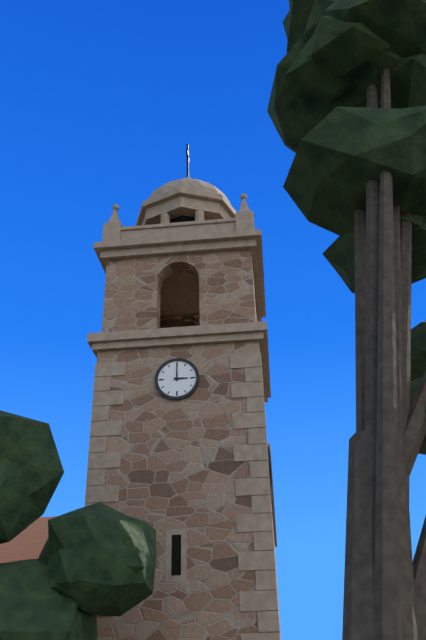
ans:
**3:00**
